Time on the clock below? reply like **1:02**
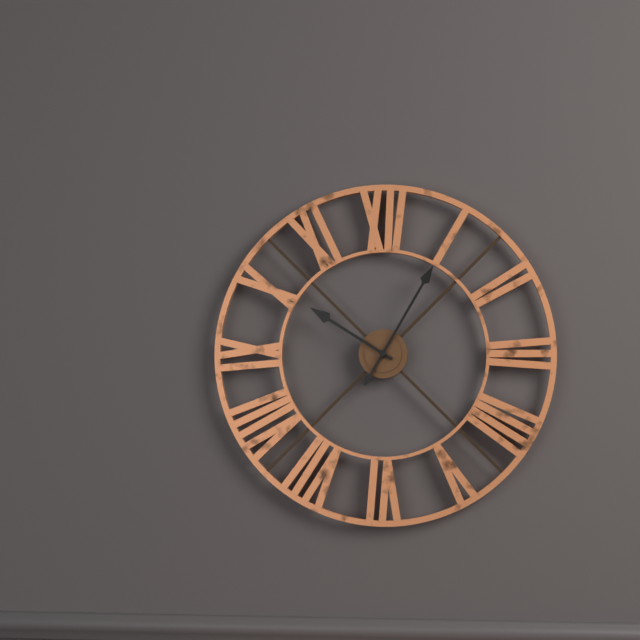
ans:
**10:05**
